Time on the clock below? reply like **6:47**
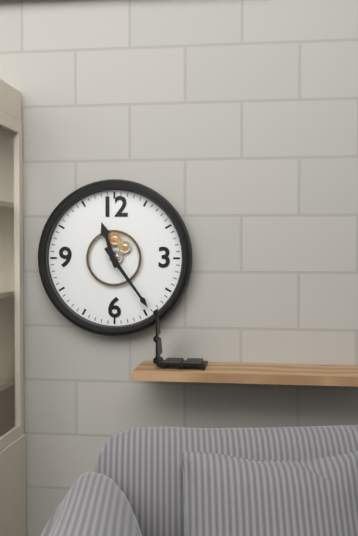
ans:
**11:24**
